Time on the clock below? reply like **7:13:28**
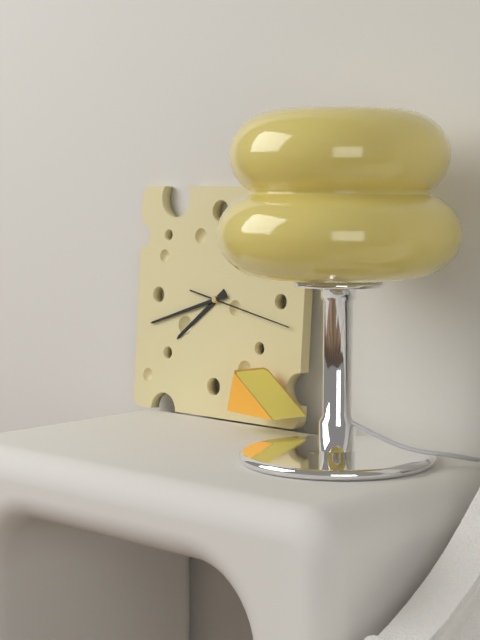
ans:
**7:42:17**
